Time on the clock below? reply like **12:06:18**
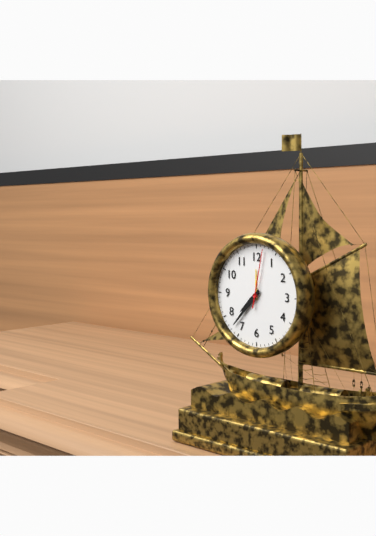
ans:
**7:37:02**
